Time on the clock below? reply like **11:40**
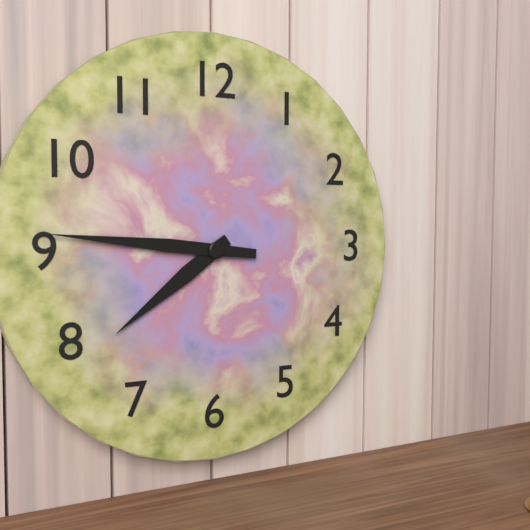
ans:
**7:46**
